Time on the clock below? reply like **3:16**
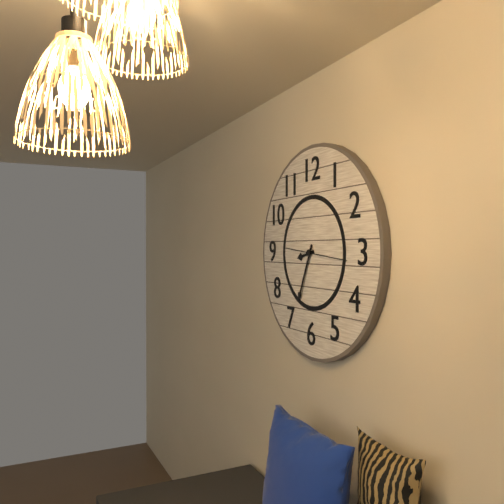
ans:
**8:34**
